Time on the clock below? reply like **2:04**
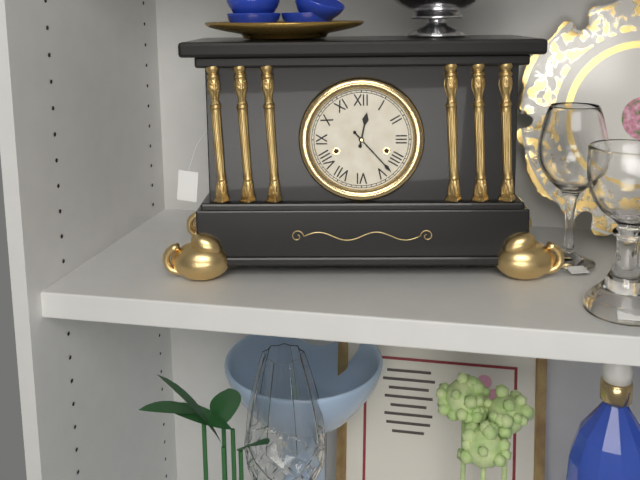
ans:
**12:23**
